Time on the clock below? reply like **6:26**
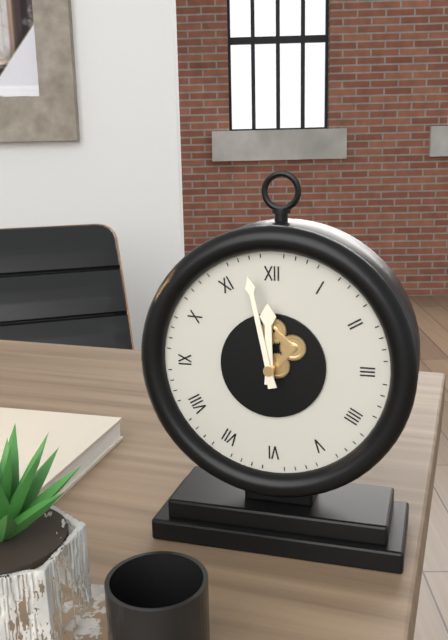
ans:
**11:58**
